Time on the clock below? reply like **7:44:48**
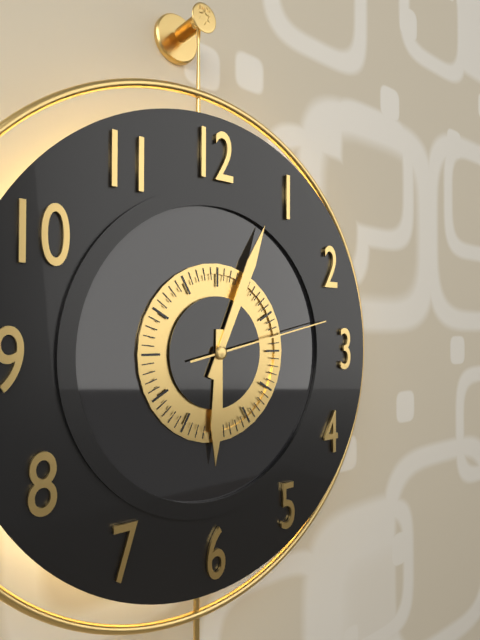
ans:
**6:04:13**
